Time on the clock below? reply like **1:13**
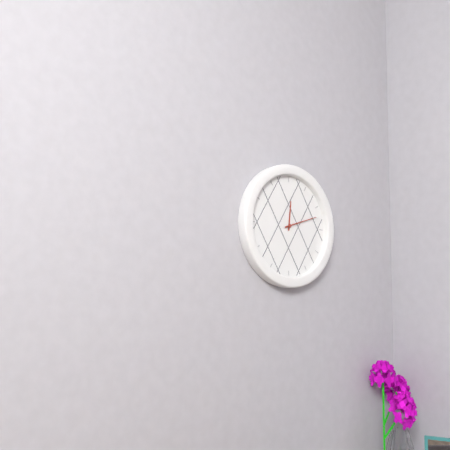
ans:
**12:12**
